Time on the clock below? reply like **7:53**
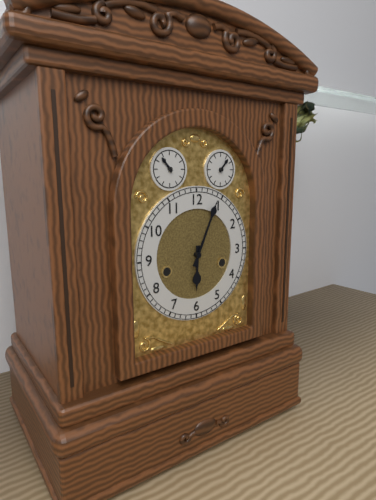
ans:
**6:04**
